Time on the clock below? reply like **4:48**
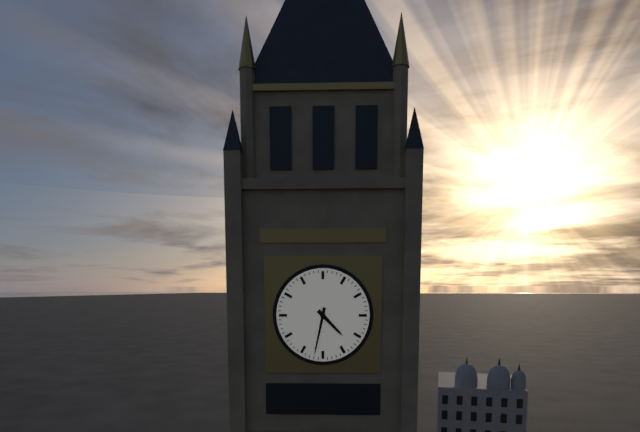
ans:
**4:32**
